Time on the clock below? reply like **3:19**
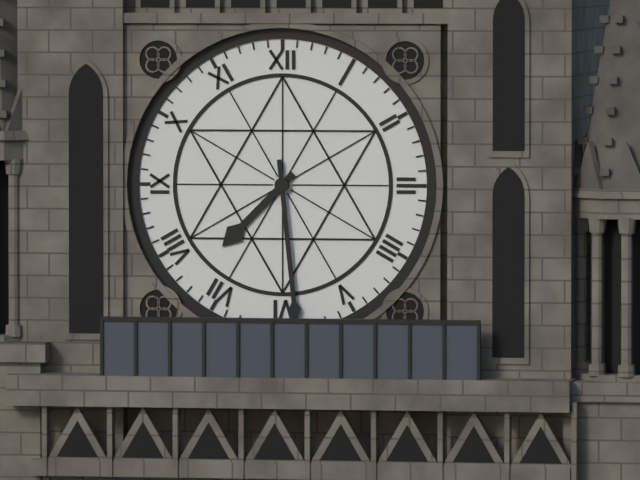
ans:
**7:29**
